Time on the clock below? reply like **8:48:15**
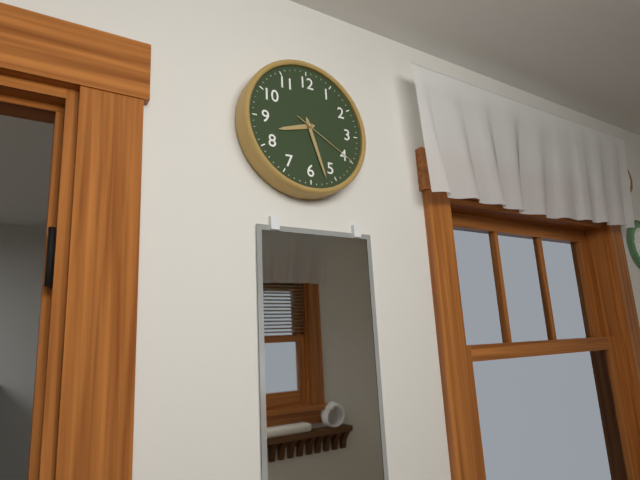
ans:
**8:27:20**
